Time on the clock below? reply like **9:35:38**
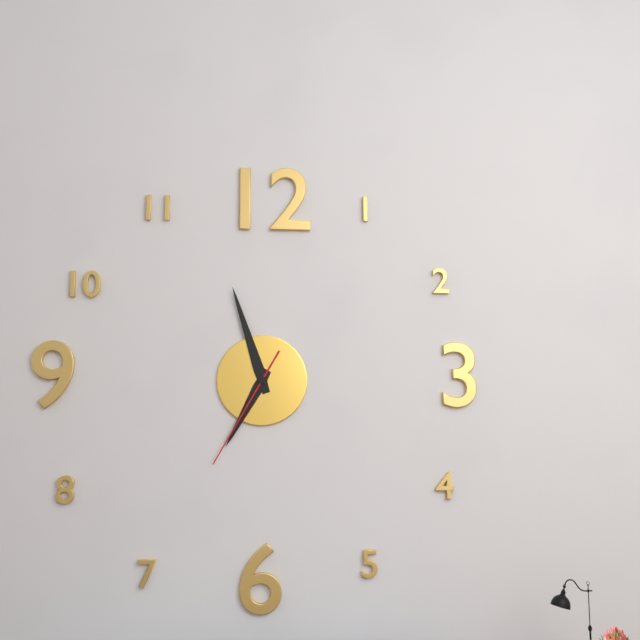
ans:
**6:57:35**
